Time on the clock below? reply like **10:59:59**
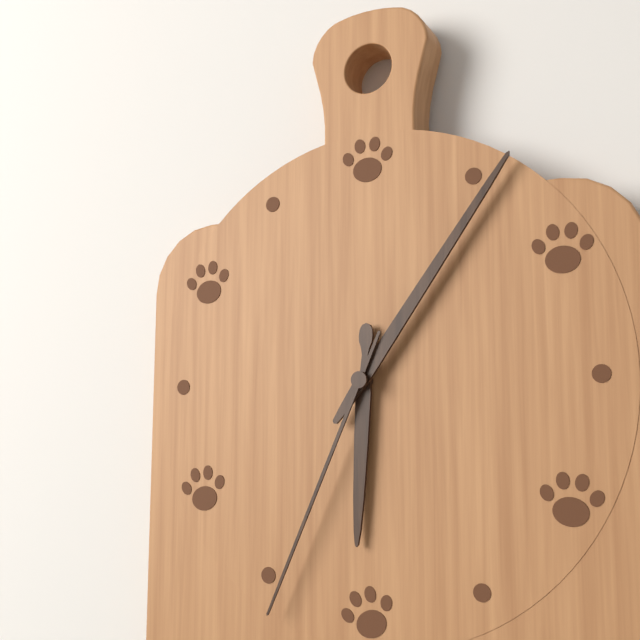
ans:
**6:06:34**
